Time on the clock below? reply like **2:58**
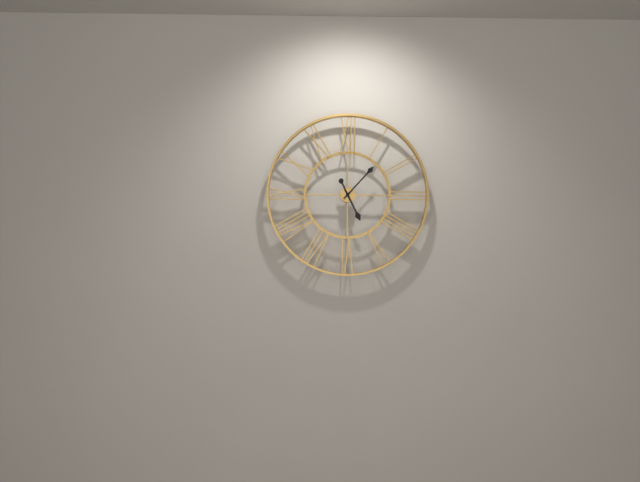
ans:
**5:07**
